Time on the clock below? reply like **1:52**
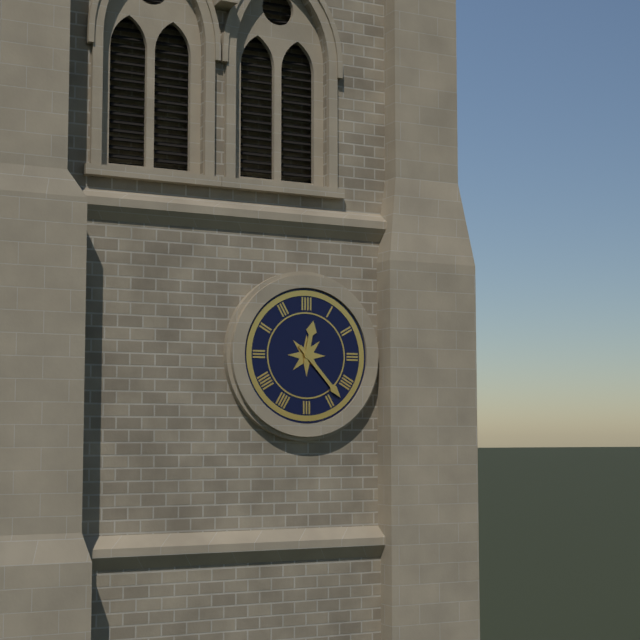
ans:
**12:23**
